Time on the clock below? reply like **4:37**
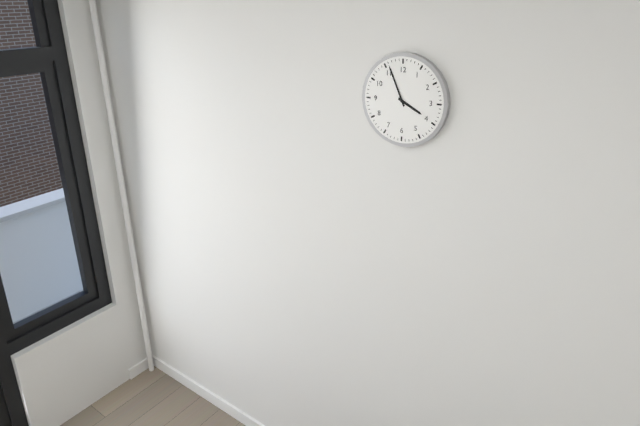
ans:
**3:56**
